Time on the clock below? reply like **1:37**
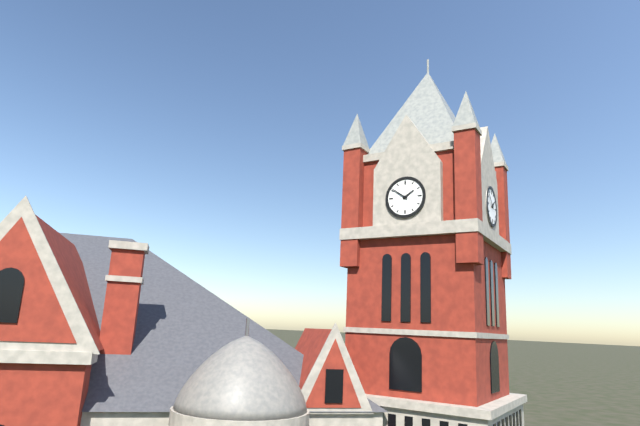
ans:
**1:51**
